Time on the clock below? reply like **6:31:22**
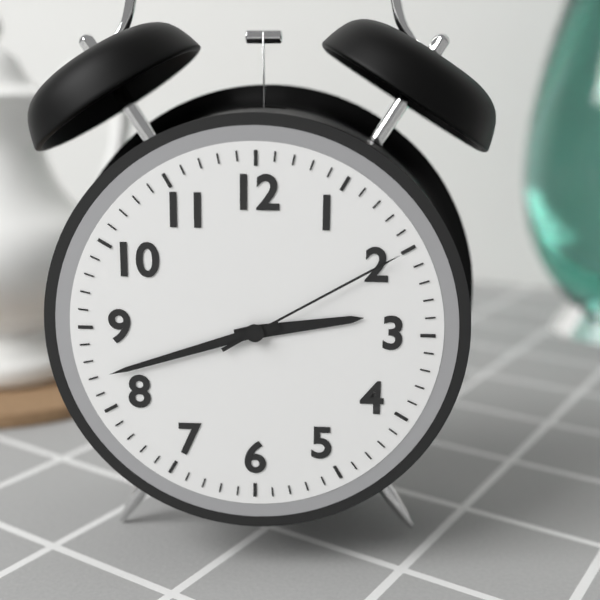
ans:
**2:42:10**
